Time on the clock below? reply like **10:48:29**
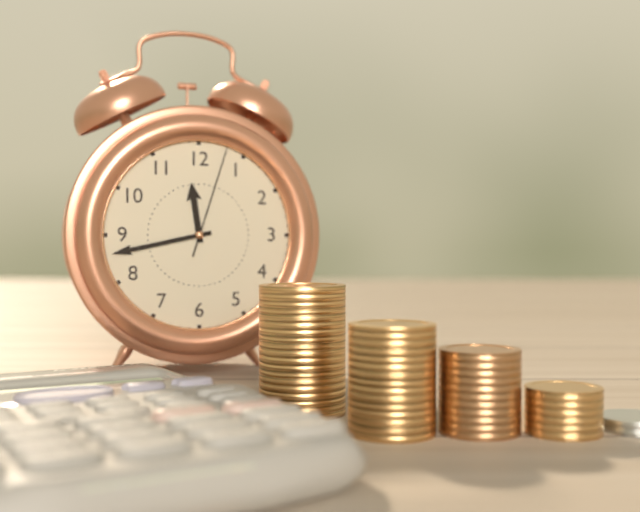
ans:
**11:43:03**
